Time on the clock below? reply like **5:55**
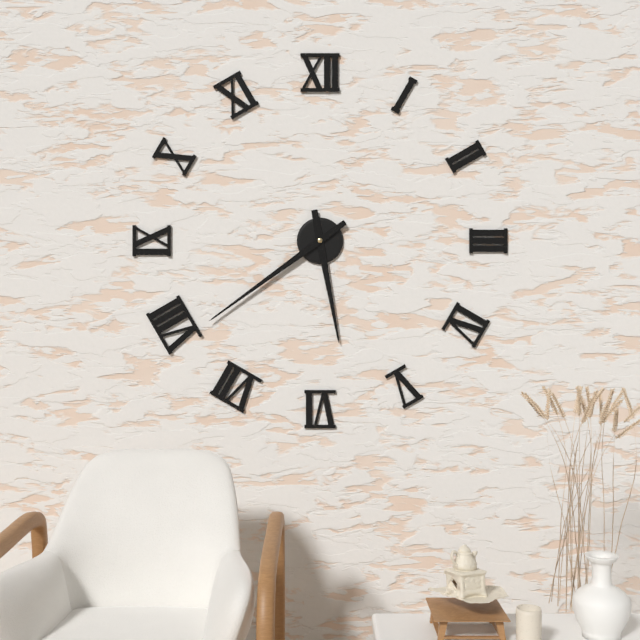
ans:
**5:39**
